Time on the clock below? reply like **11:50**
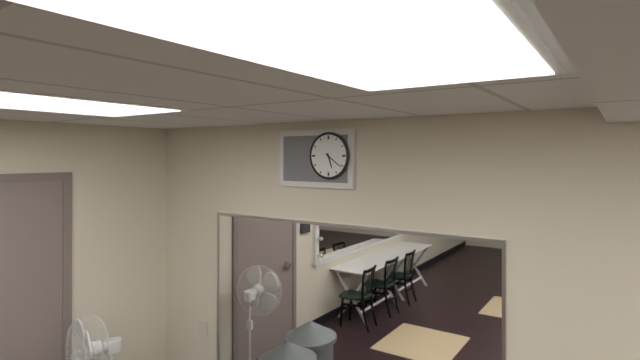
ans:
**5:21**
